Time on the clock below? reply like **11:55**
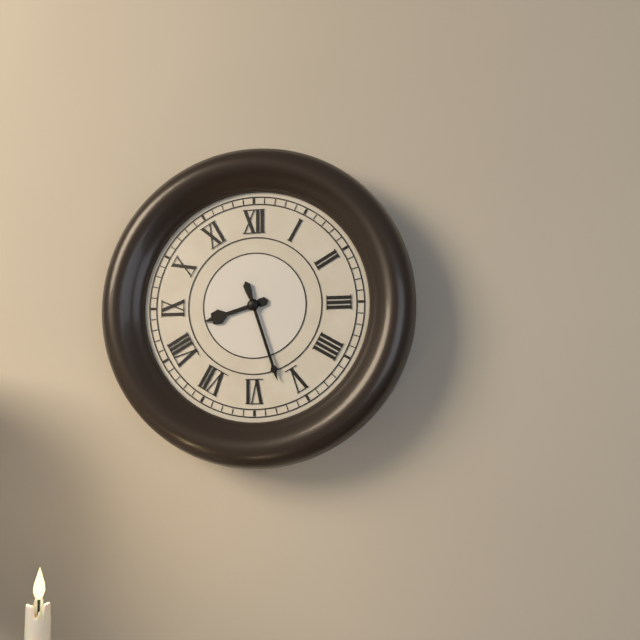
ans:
**8:27**
